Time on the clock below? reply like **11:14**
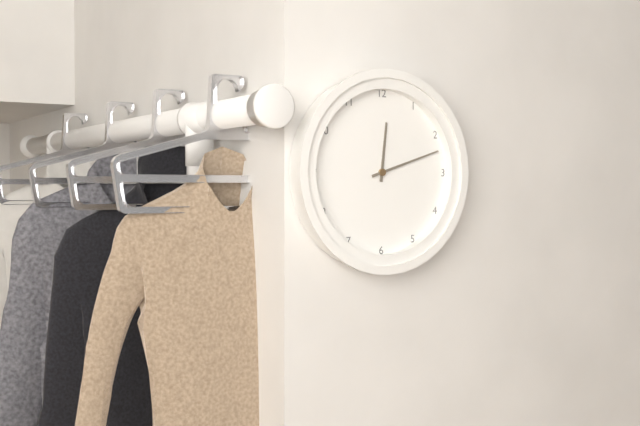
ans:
**12:12**
